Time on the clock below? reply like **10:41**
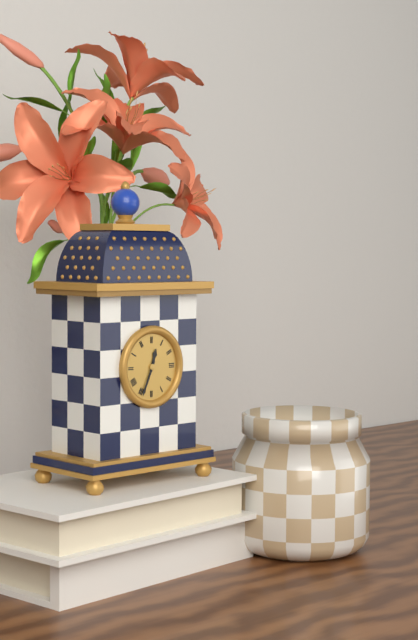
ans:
**12:34**
